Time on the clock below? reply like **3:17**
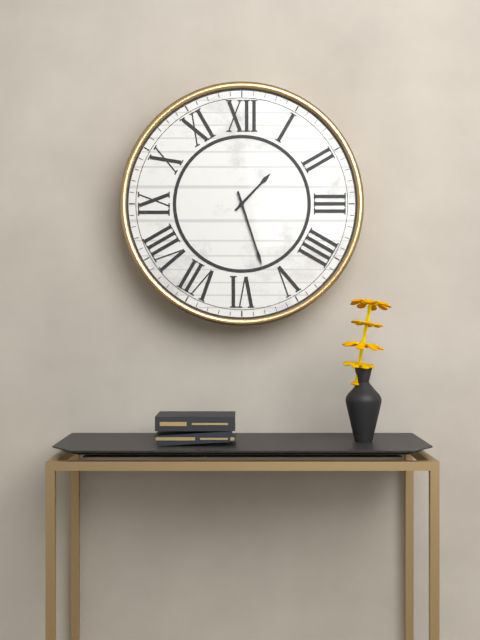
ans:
**1:27**
